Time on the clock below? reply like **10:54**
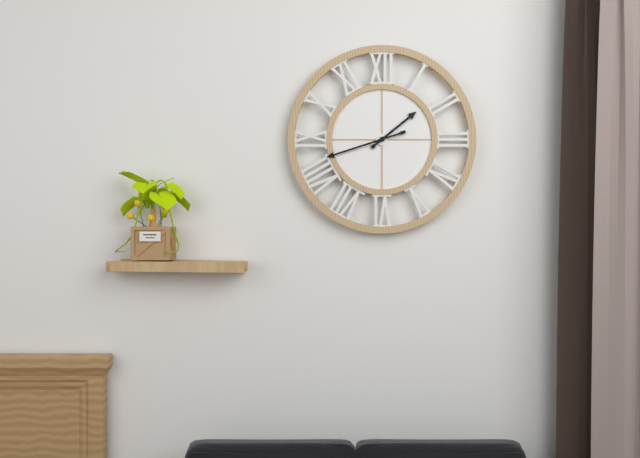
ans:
**1:42**
